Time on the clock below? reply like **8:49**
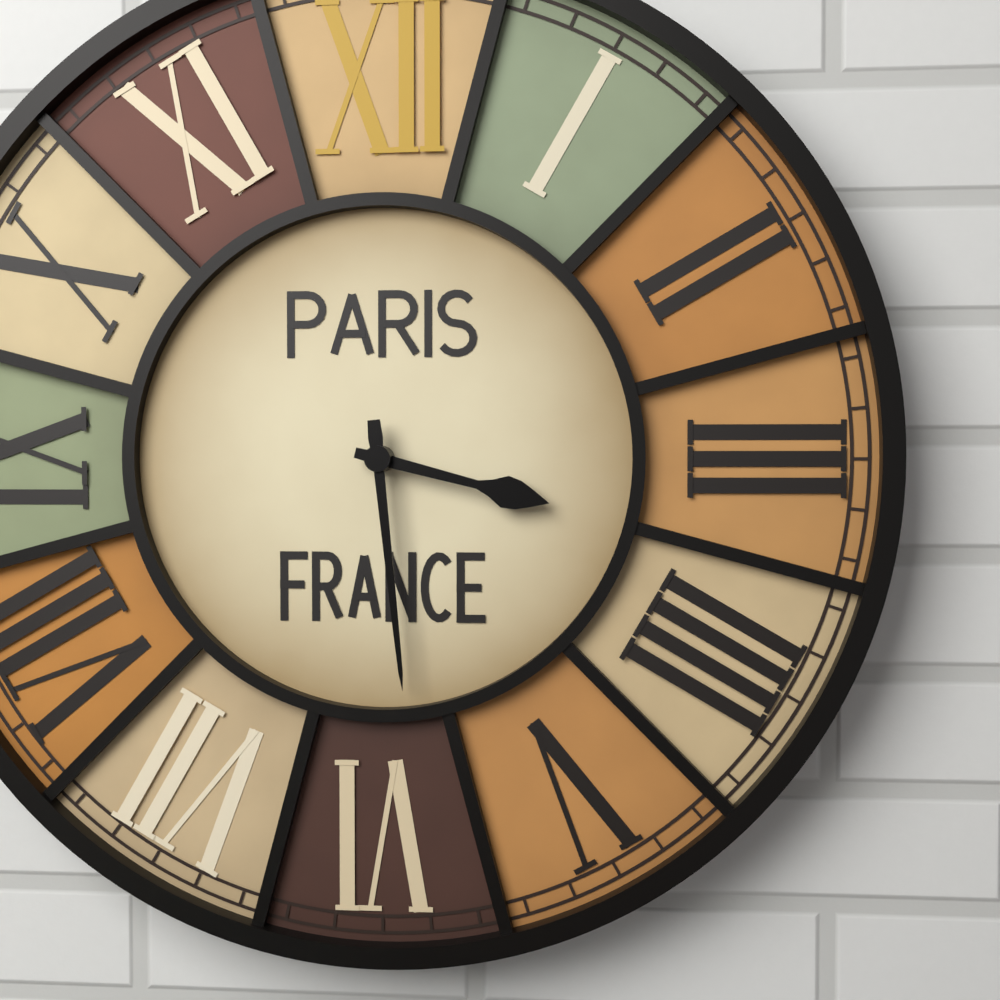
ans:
**3:29**
